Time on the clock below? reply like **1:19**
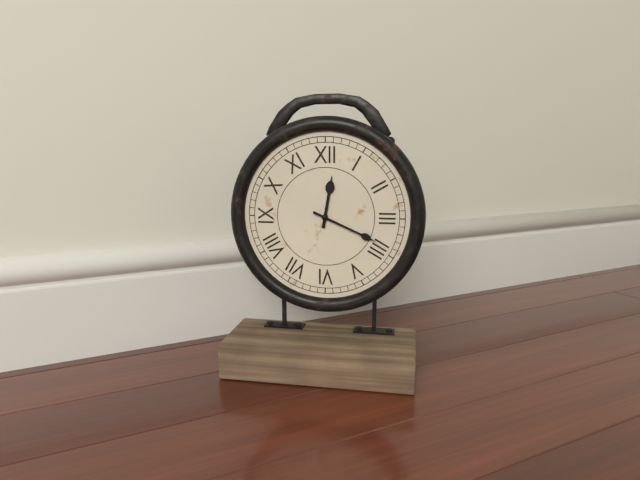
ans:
**12:19**
